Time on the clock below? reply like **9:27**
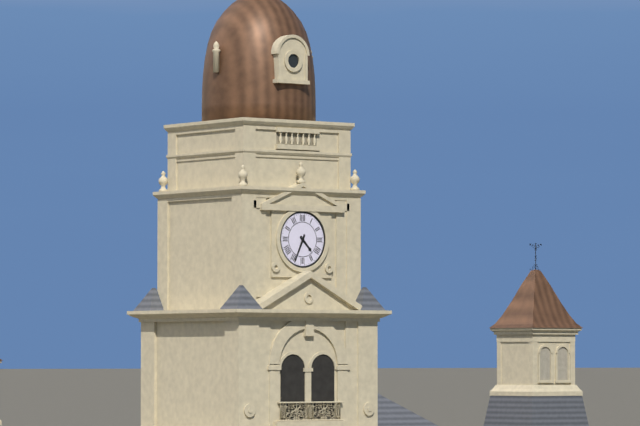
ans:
**4:34**
